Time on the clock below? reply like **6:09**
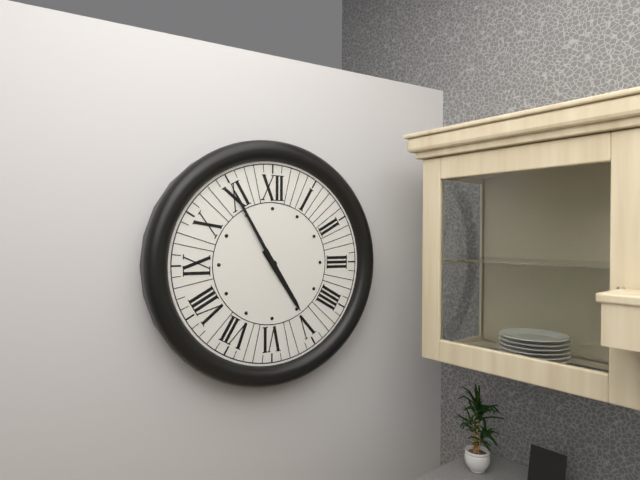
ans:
**4:55**
